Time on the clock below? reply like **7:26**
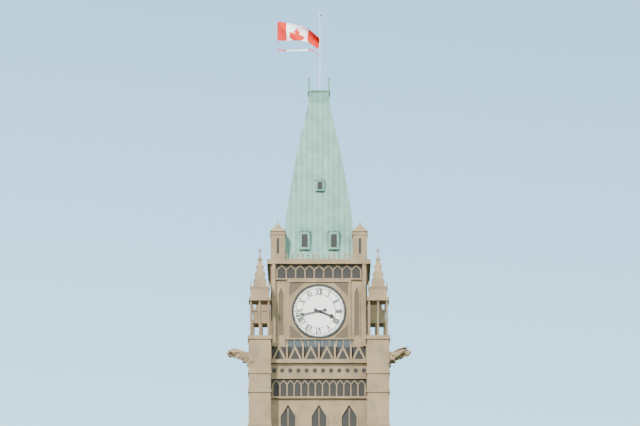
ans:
**3:43**
